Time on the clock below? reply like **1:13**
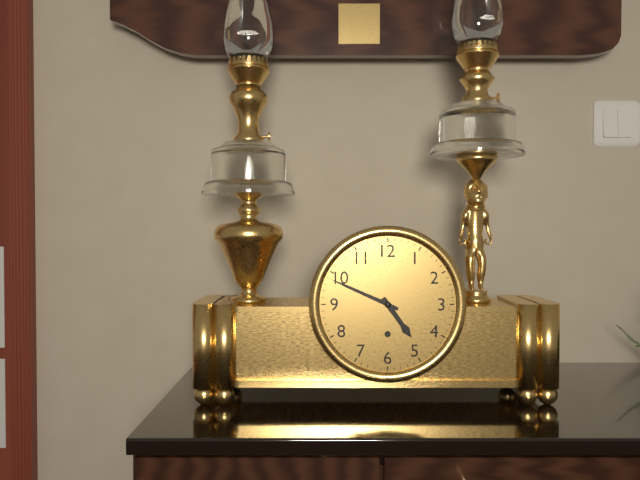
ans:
**4:49**
